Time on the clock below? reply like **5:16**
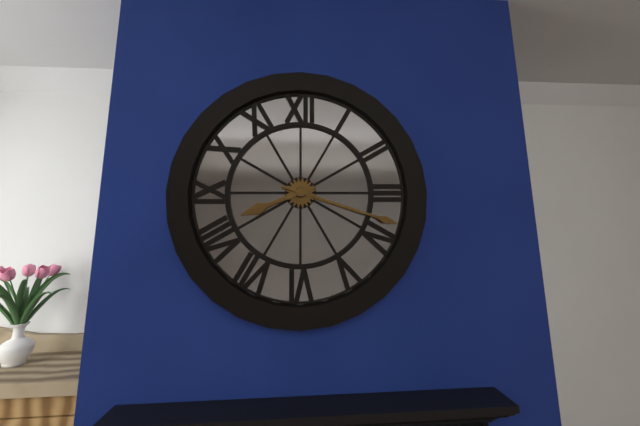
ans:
**8:18**
